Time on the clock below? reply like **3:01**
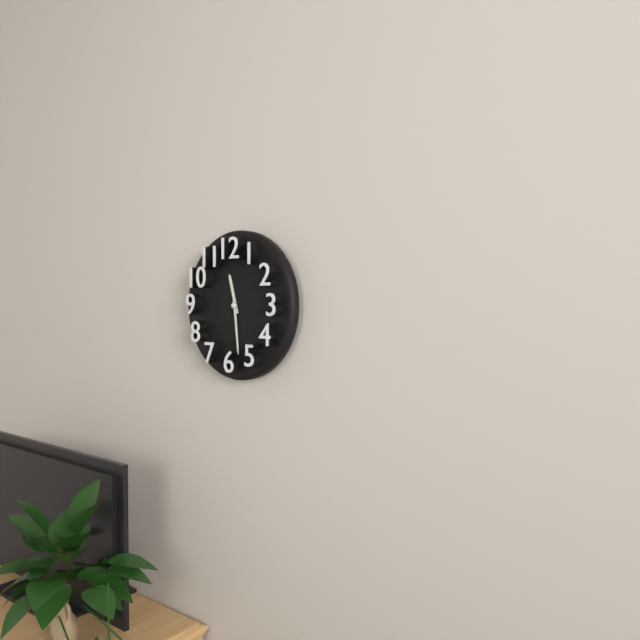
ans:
**11:29**
